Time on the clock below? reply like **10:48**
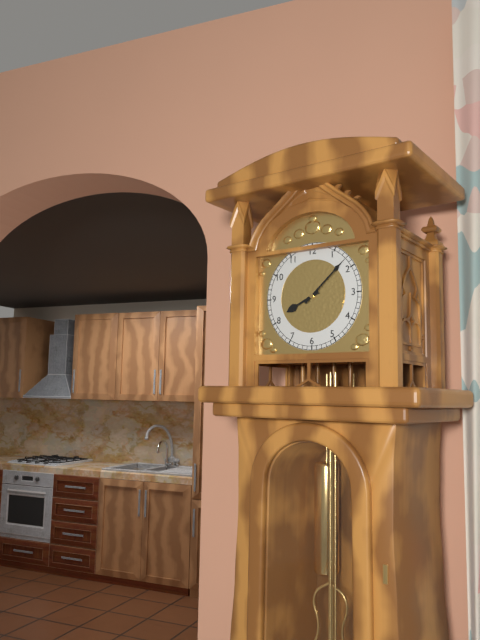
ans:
**8:08**
